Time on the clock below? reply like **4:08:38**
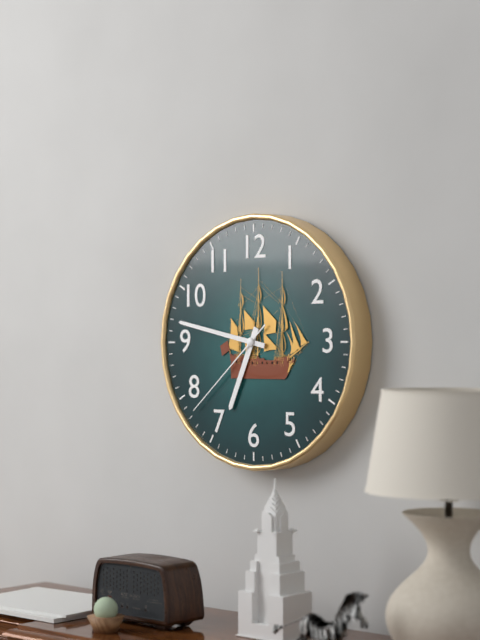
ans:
**6:47:38**
